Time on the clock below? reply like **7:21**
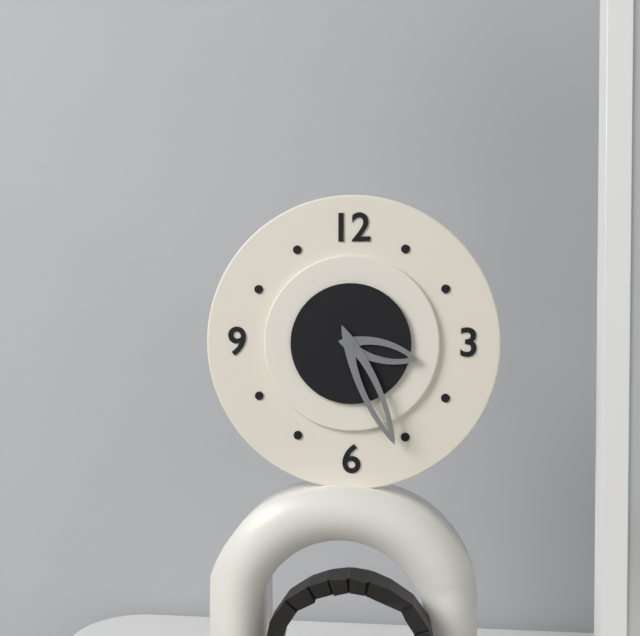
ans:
**3:26**
